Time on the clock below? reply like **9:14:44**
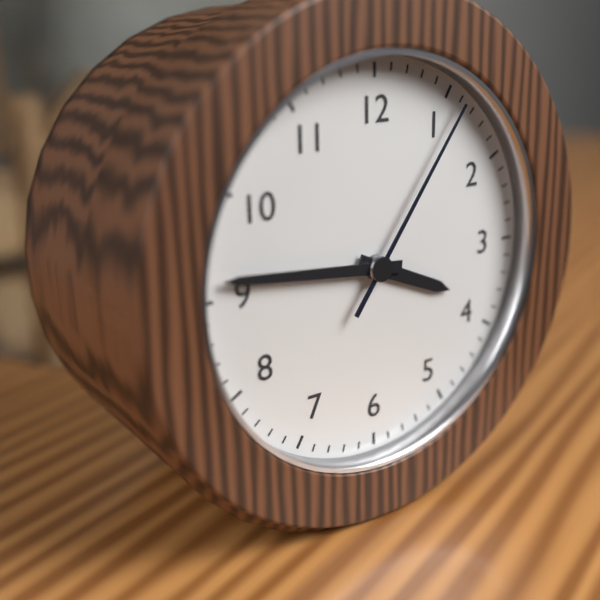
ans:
**3:46:06**
